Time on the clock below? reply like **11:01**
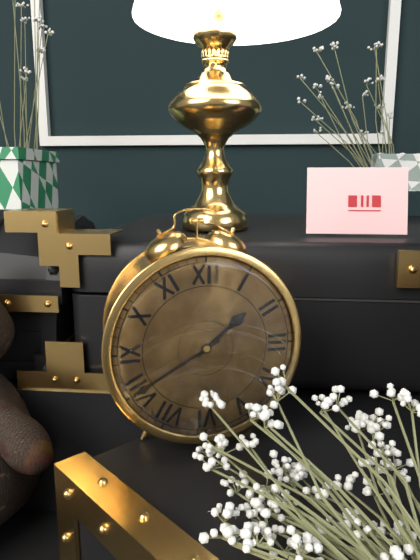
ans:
**1:40**
